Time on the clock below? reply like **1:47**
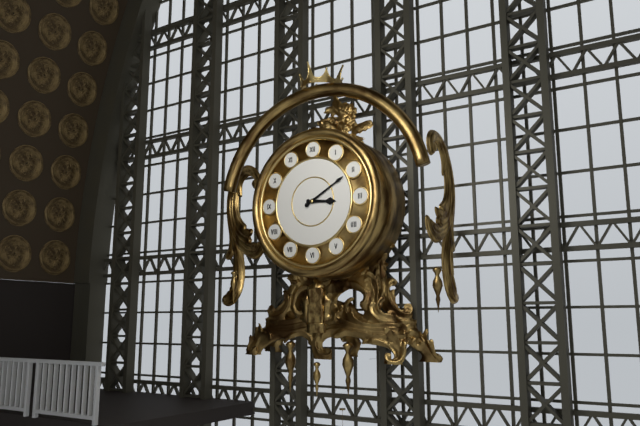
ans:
**3:10**
